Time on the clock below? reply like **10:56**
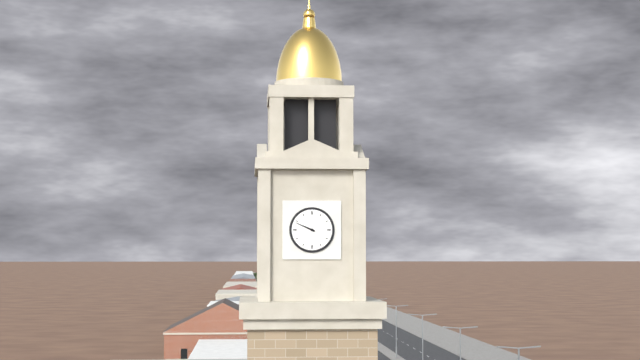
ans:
**9:49**
